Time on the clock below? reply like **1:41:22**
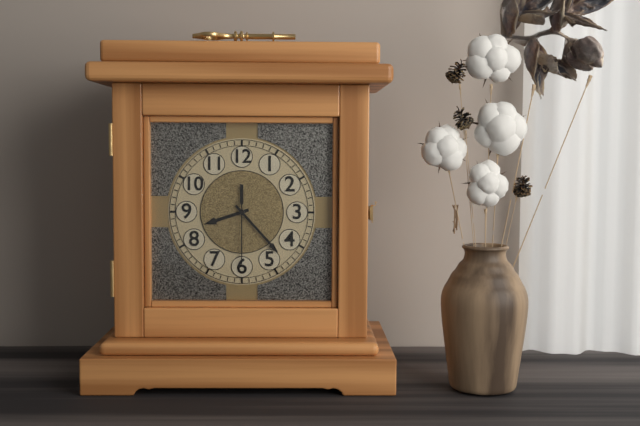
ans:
**8:23:30**
